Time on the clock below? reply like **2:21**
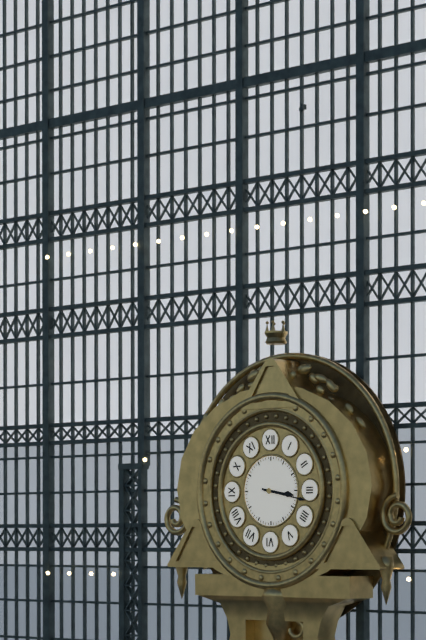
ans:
**3:17**
